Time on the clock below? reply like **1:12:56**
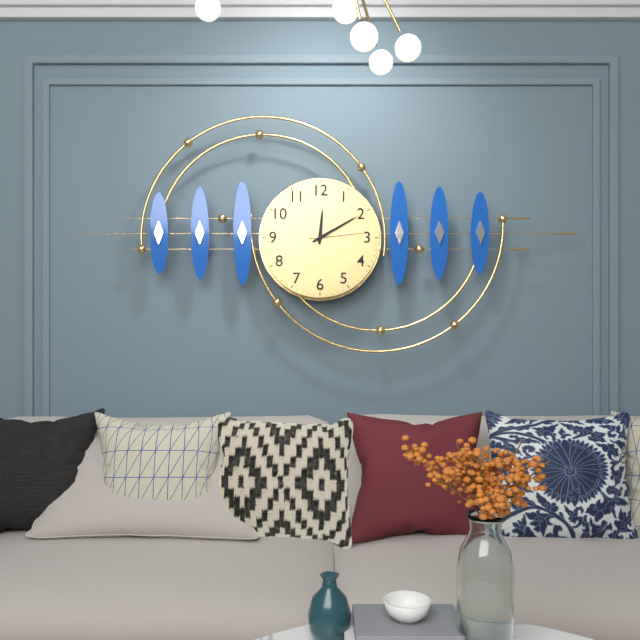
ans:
**12:10:14**
